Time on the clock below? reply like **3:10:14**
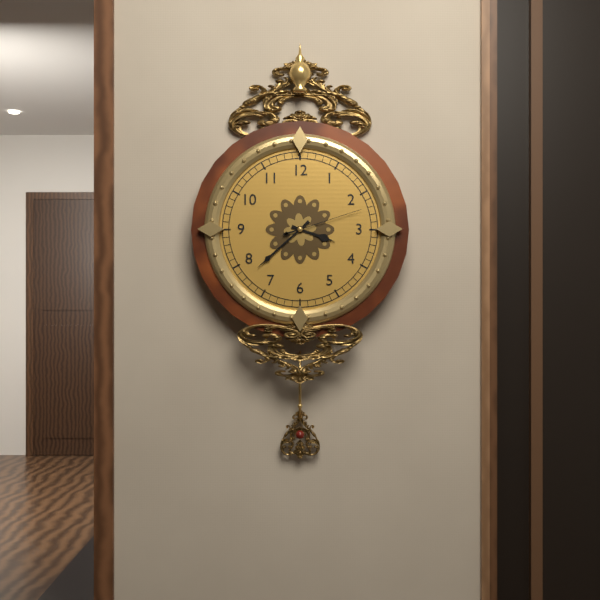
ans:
**3:38:12**
